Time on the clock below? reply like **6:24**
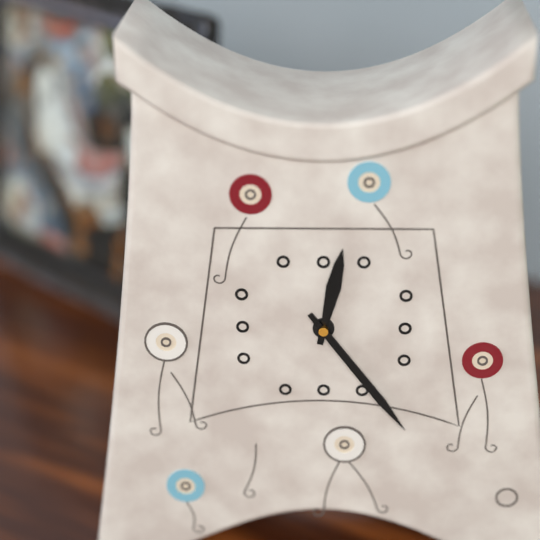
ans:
**12:24**
